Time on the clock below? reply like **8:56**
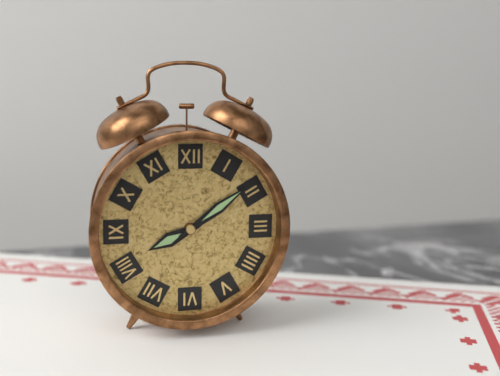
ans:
**8:09**
